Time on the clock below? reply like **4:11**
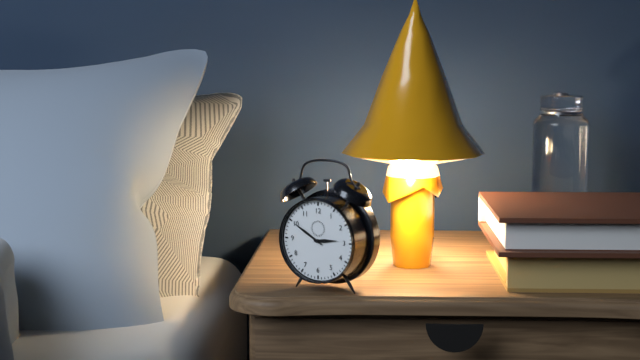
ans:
**2:50**
